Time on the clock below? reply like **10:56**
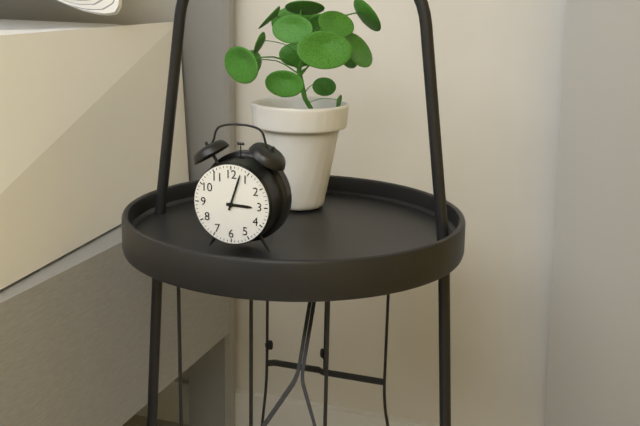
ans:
**3:03**
